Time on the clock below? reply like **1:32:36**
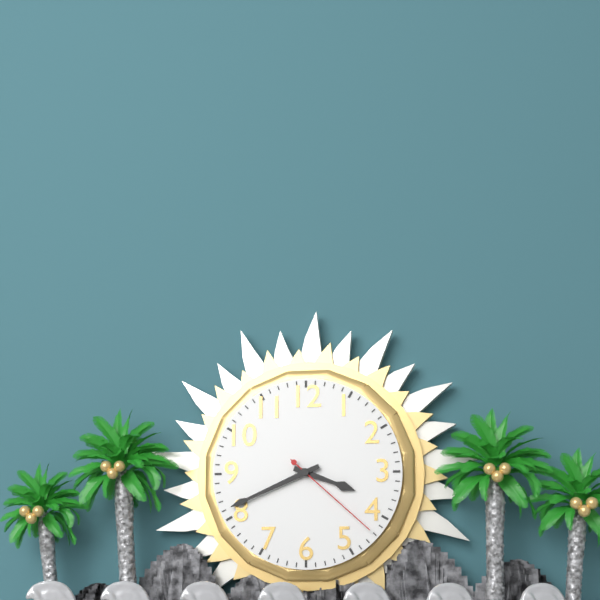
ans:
**3:41:22**
